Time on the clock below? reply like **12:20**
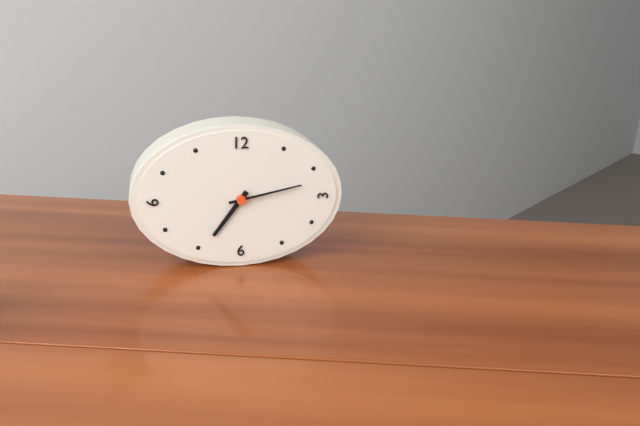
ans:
**7:13**
